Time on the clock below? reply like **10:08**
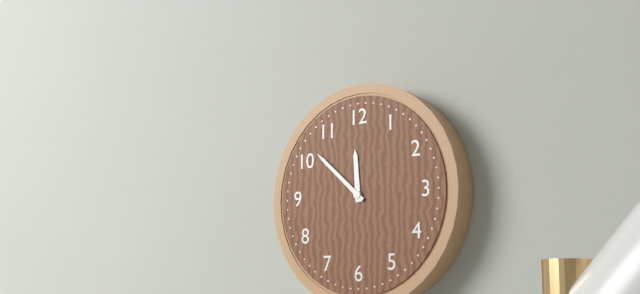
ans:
**11:52**
